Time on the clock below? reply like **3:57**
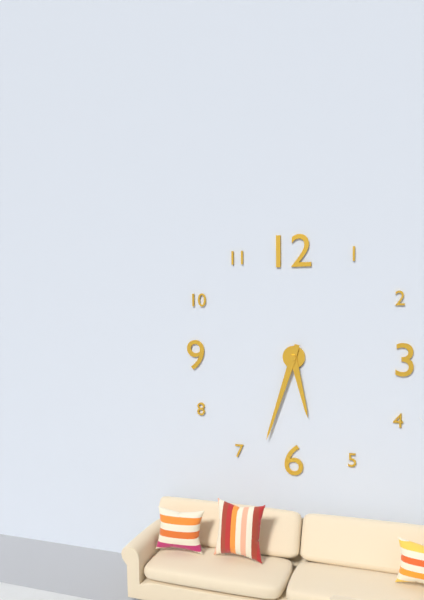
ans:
**5:33**
